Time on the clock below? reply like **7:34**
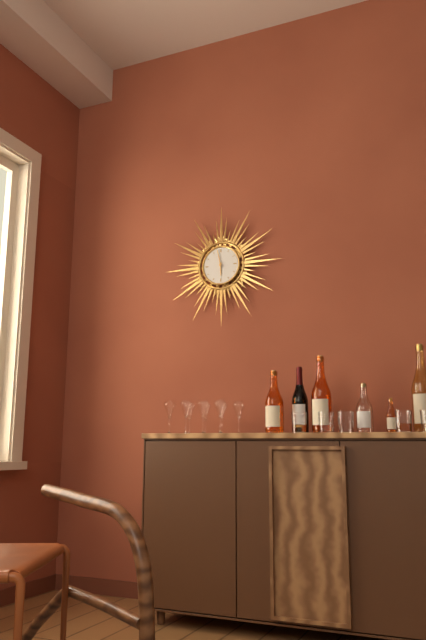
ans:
**5:58**
